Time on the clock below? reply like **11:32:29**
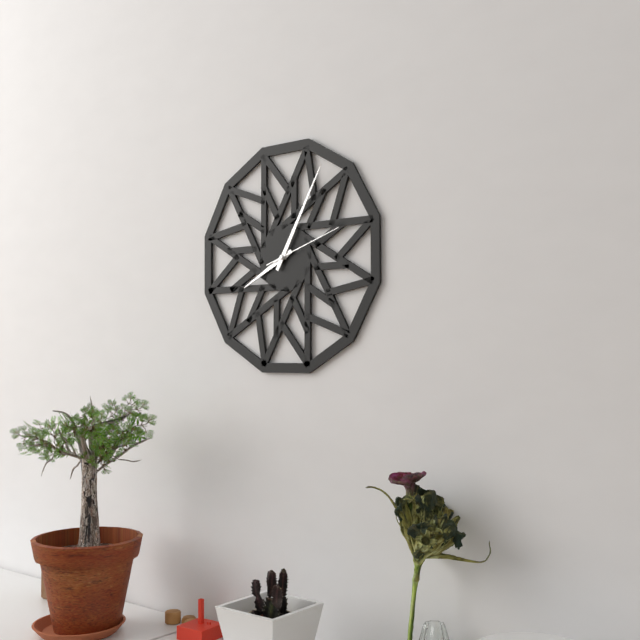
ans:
**8:05:12**
